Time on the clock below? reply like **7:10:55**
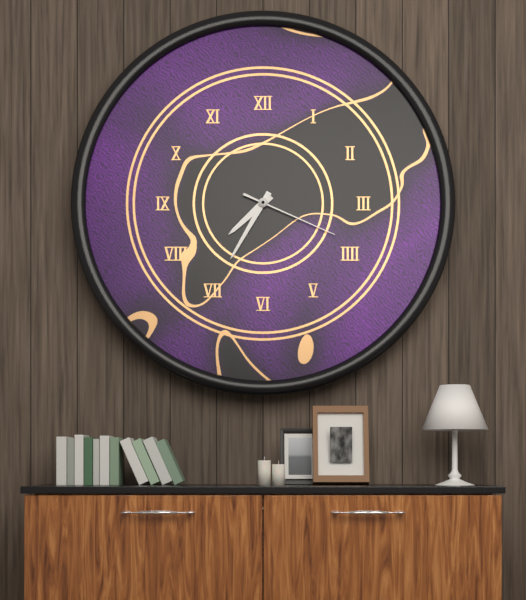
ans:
**7:35:19**
